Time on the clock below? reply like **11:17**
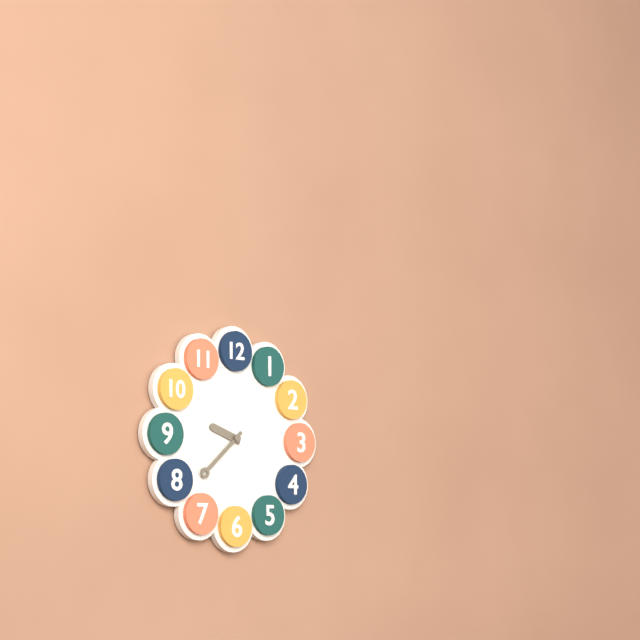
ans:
**9:38**
